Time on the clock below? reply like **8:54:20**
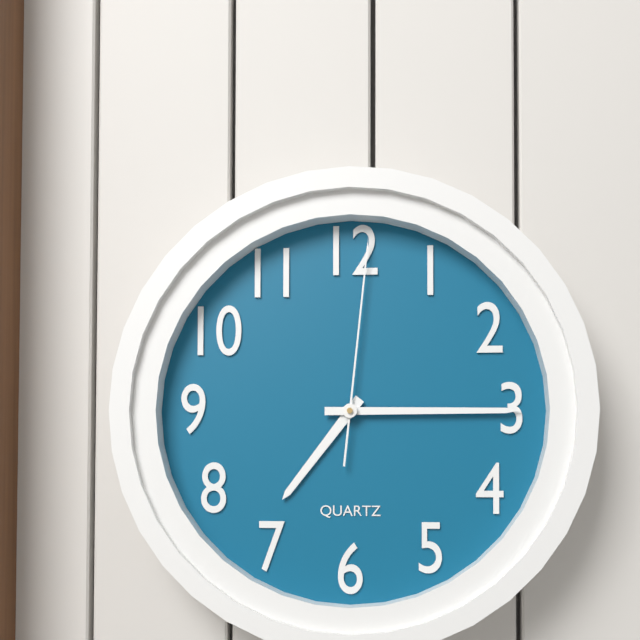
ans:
**7:15:01**
